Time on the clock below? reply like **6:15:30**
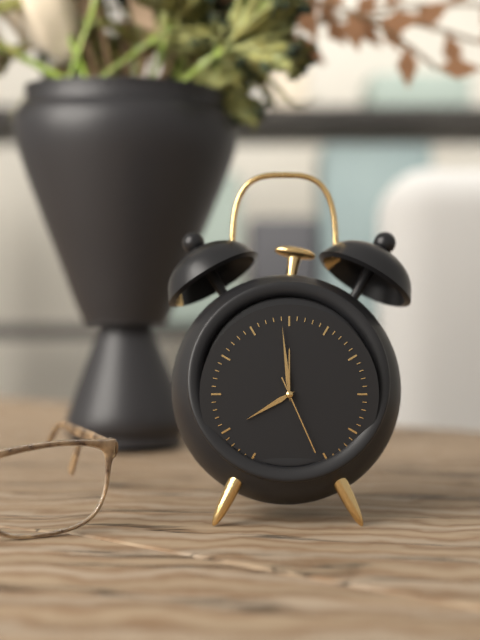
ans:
**7:59:26**
